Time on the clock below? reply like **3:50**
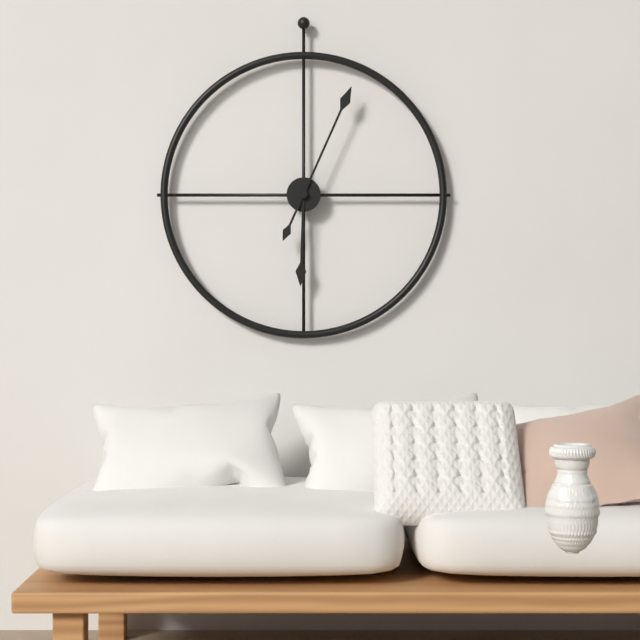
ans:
**6:04**
